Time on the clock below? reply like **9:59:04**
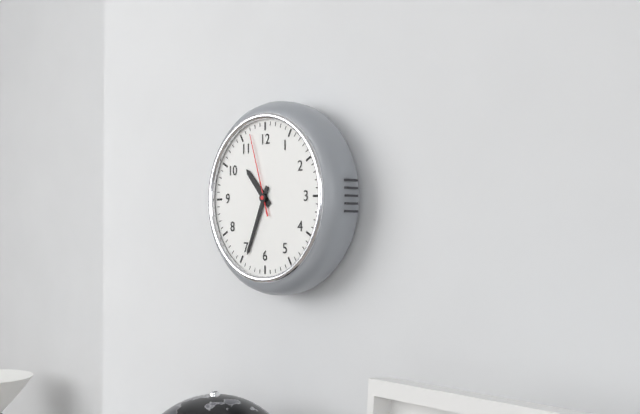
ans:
**10:34:57**
